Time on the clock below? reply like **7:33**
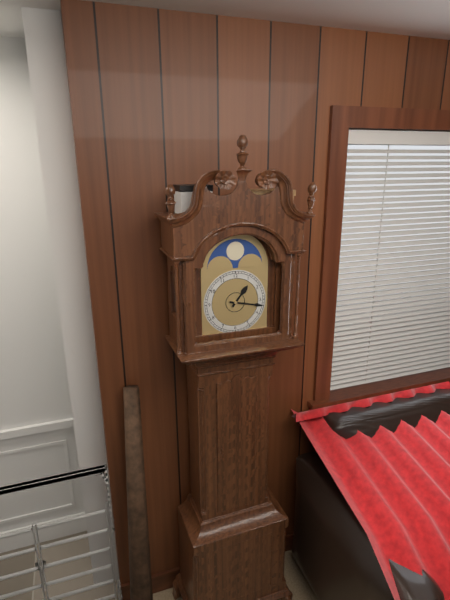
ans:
**1:17**
